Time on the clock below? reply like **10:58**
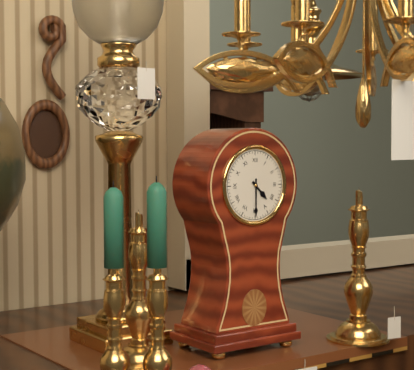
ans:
**4:30**
